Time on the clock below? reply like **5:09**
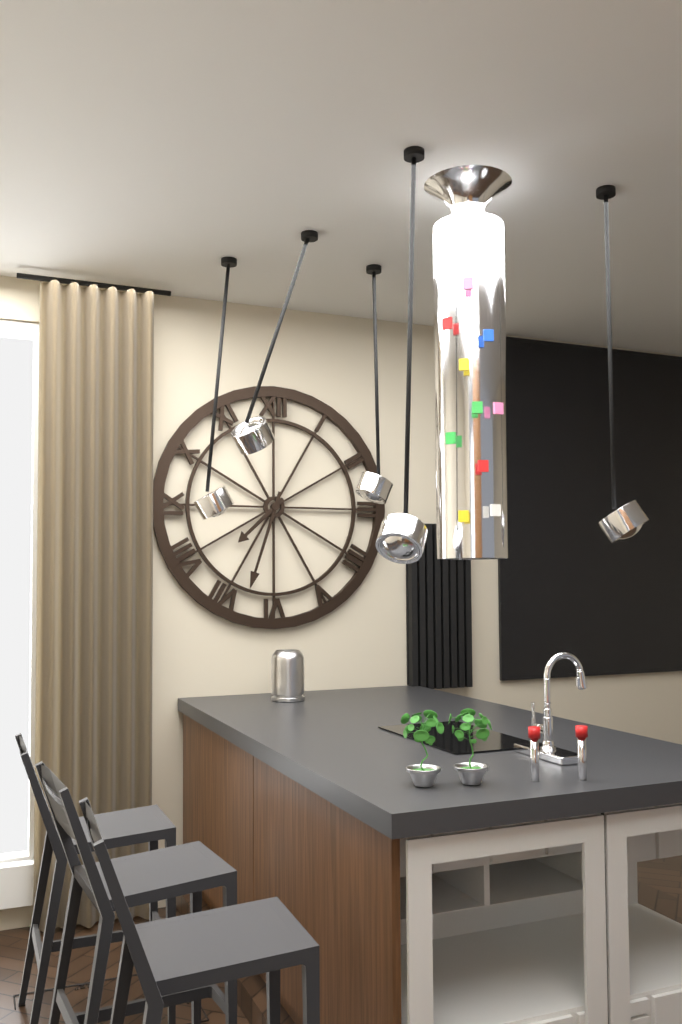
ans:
**7:33**
